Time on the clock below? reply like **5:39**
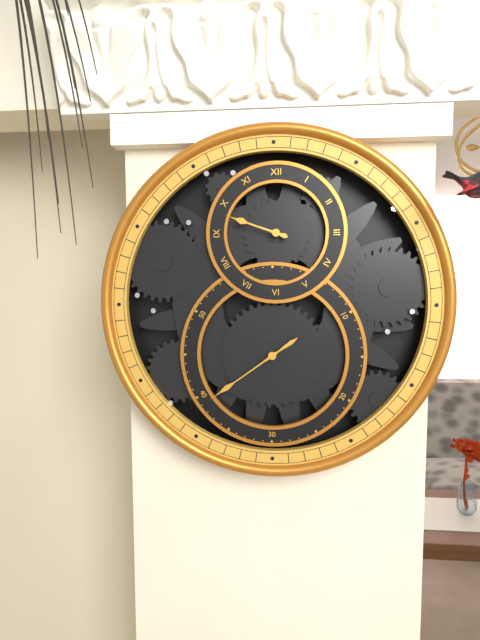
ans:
**9:39**
